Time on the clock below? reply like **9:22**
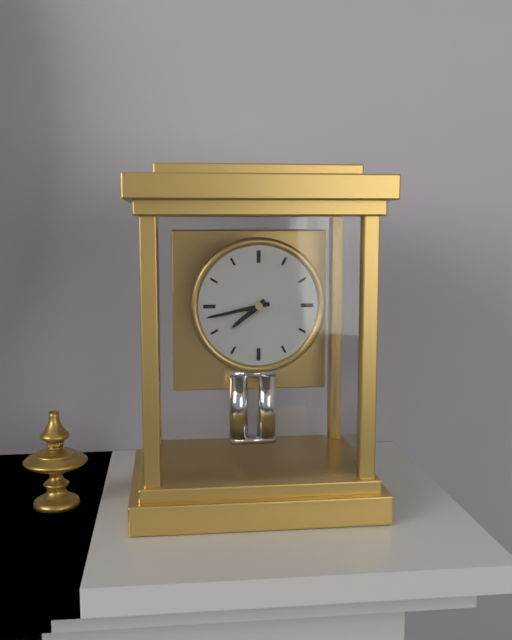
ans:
**7:43**
